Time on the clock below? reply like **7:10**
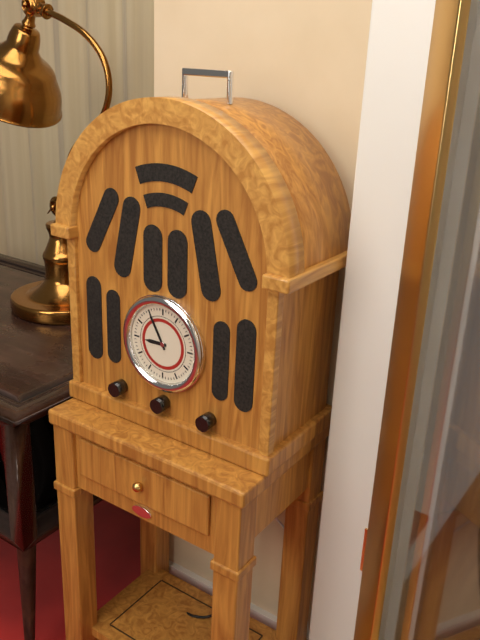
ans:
**8:55**
